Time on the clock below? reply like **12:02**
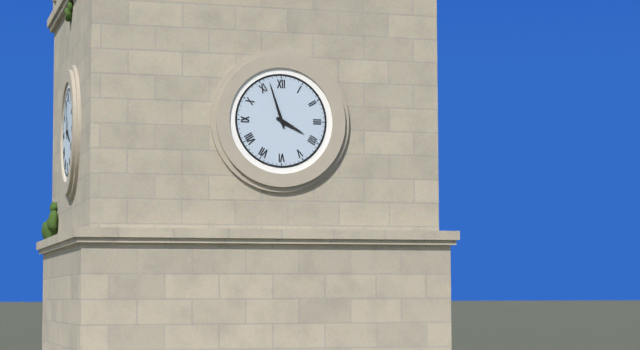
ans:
**3:57**
